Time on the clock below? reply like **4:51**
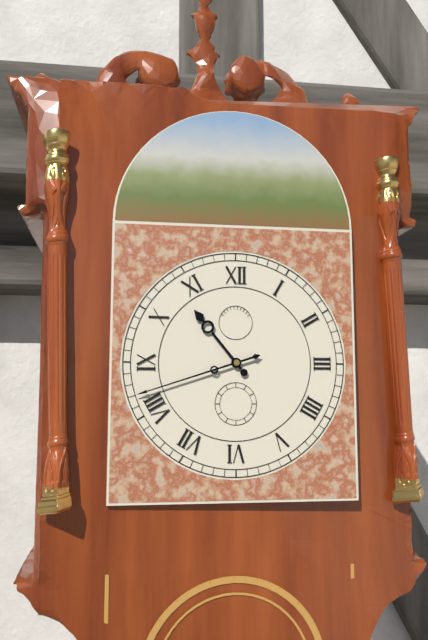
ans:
**10:42**
